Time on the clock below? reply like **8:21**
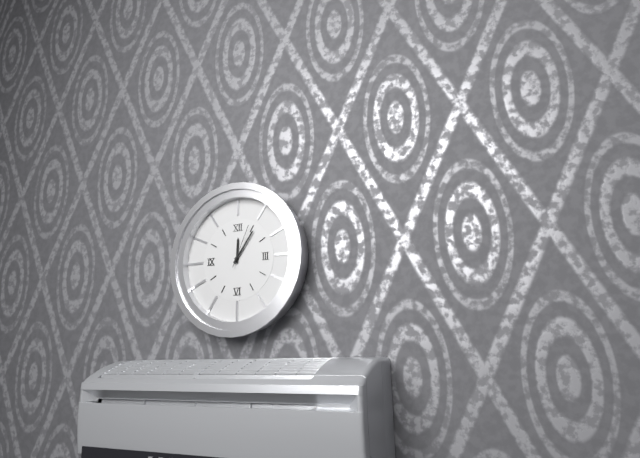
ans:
**12:06**
